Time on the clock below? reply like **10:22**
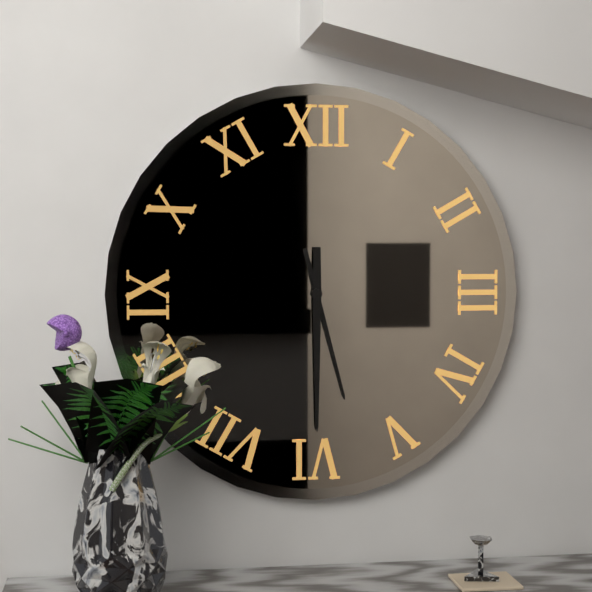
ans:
**5:30**
